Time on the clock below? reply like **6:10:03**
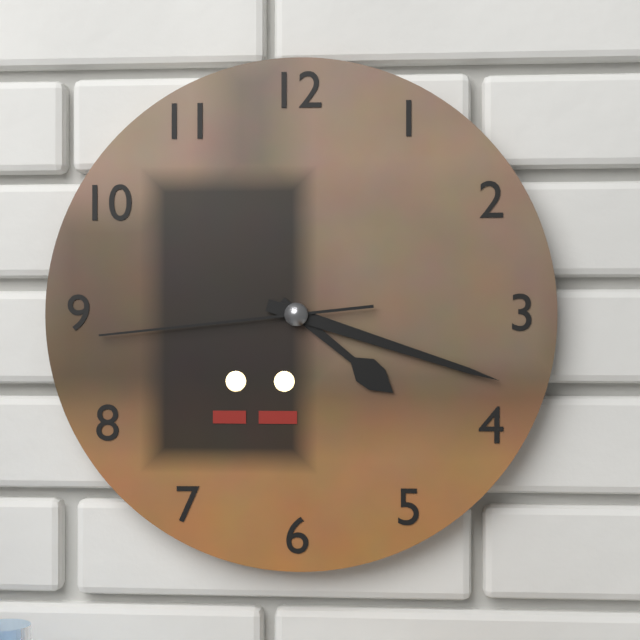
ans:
**4:18:44**
